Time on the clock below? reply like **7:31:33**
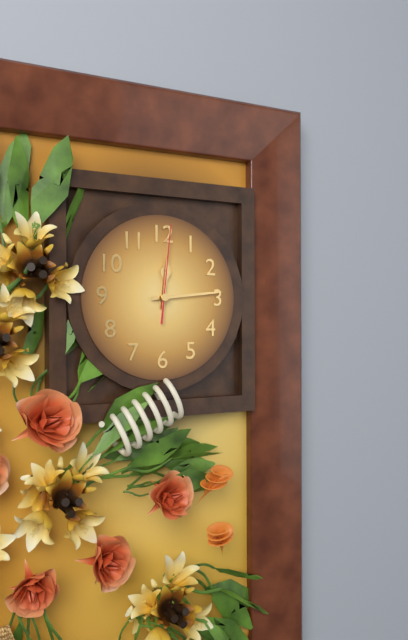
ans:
**12:14:01**
